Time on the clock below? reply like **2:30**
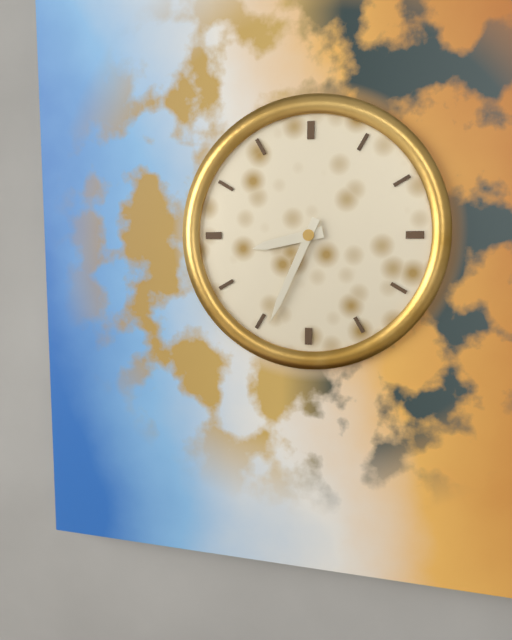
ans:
**8:34**
